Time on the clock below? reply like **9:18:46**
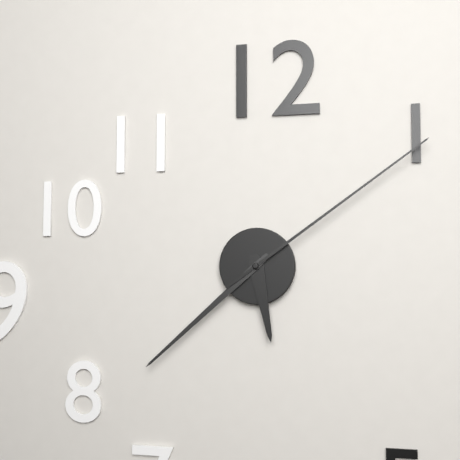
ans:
**5:38:09**
